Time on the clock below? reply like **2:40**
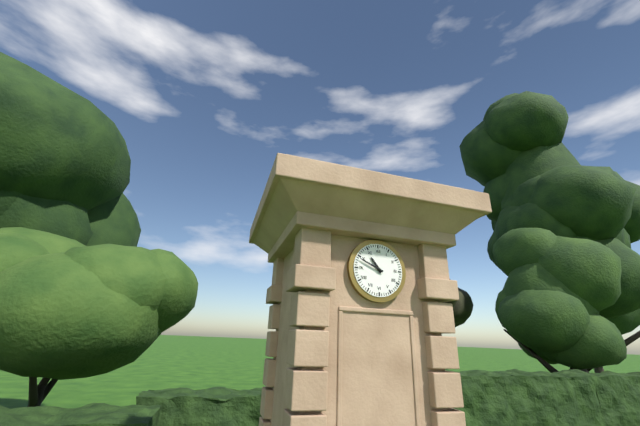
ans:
**10:49**
